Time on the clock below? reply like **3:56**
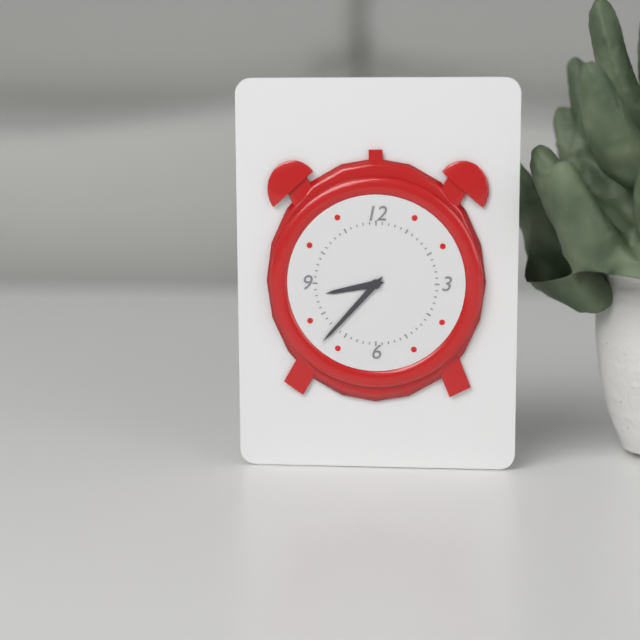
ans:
**8:37**
